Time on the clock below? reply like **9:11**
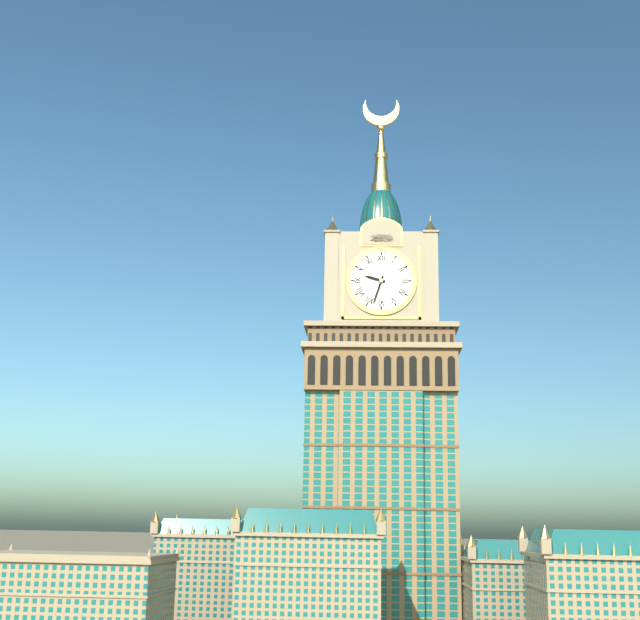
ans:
**9:33**
